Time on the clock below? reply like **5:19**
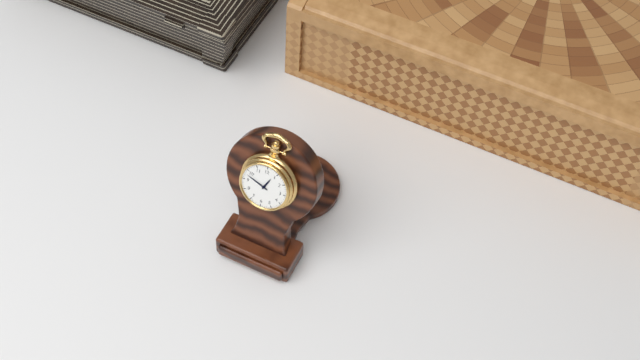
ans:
**12:48**
